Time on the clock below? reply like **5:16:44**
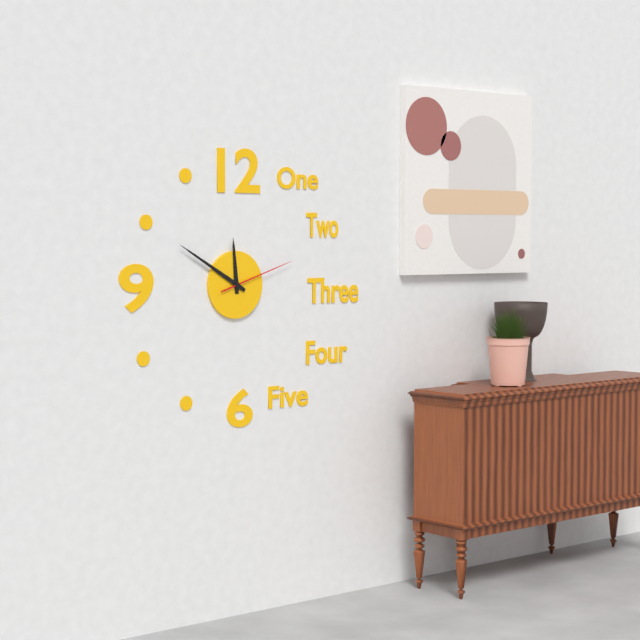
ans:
**11:50:12**
